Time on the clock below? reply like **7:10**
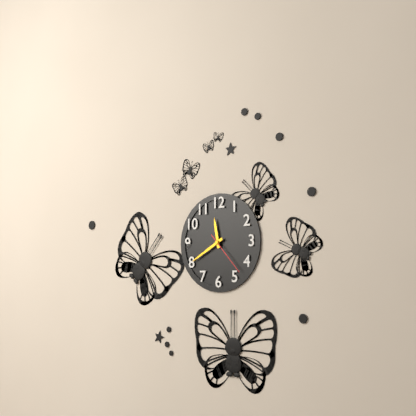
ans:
**11:40**
